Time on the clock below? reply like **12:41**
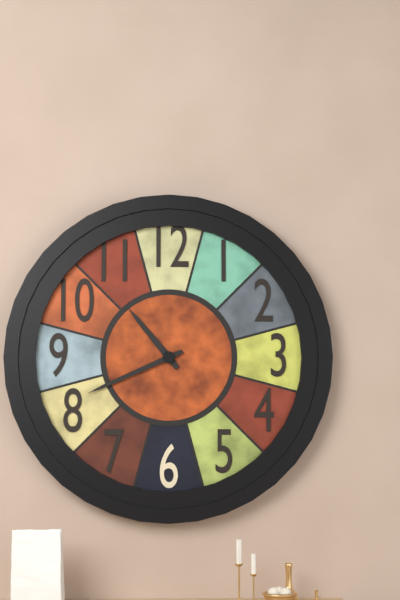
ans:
**10:41**
